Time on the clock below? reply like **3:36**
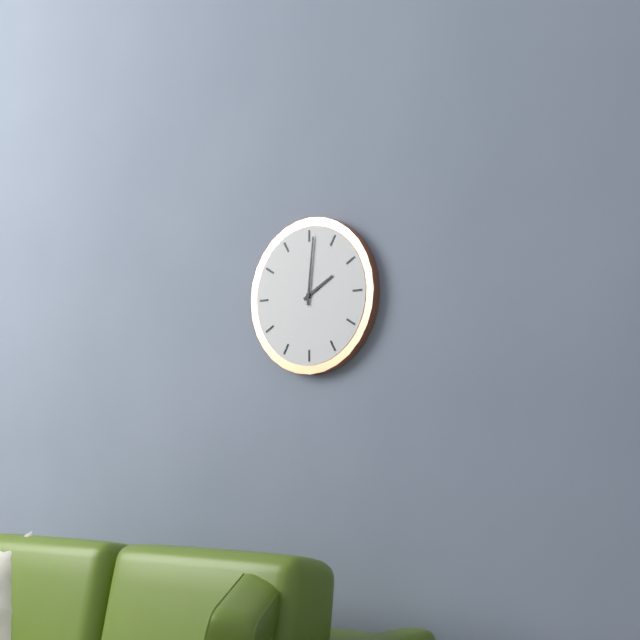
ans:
**2:01**
